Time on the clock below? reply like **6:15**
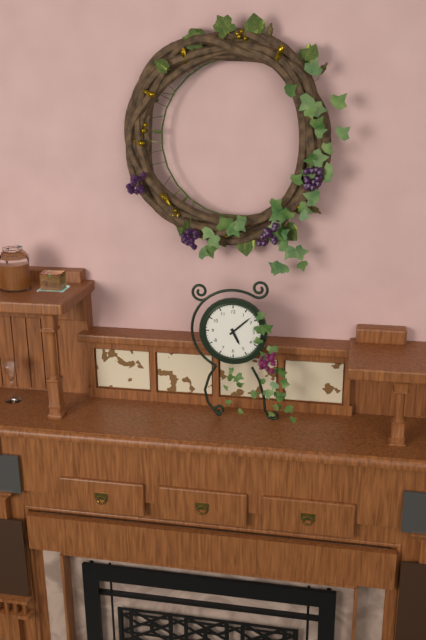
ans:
**5:08**
